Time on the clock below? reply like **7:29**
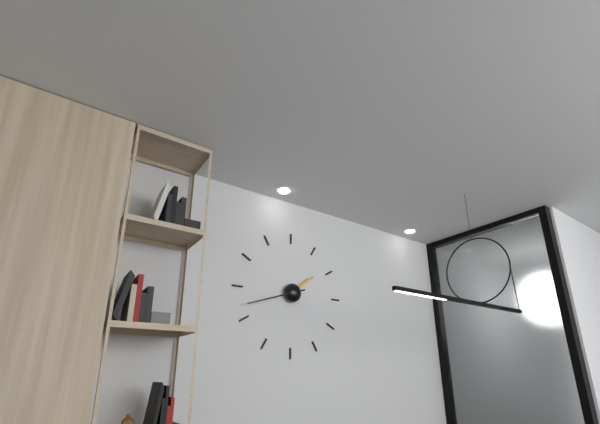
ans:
**1:42**
